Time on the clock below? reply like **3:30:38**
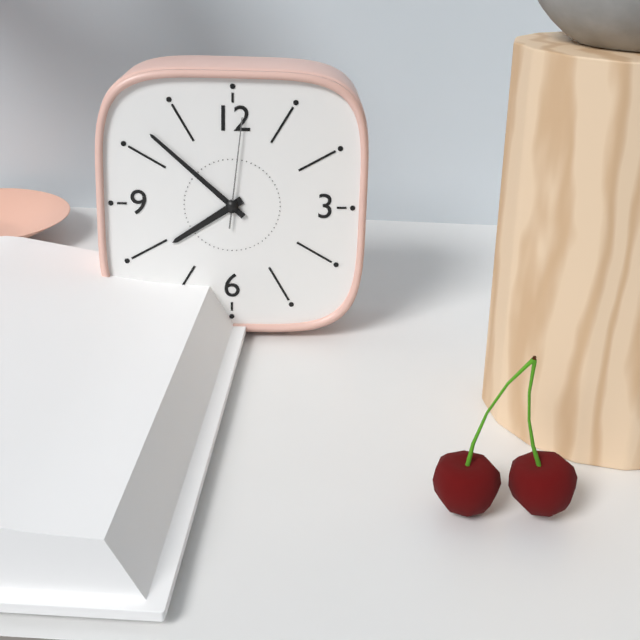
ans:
**7:52:01**
